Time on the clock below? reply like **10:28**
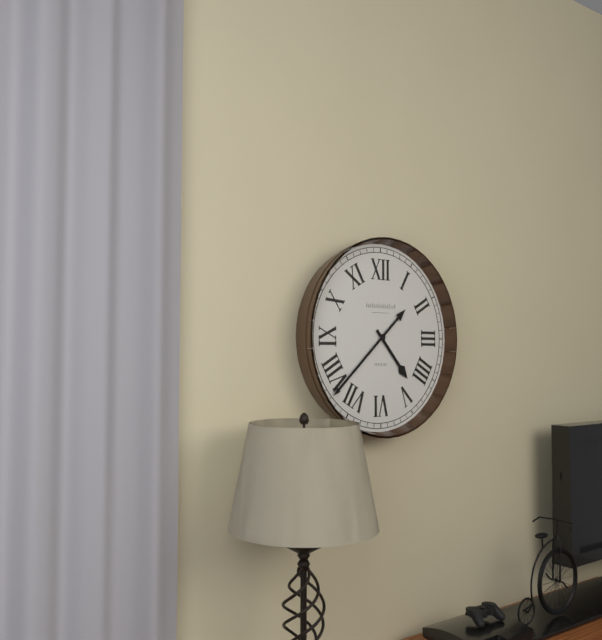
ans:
**4:38**
